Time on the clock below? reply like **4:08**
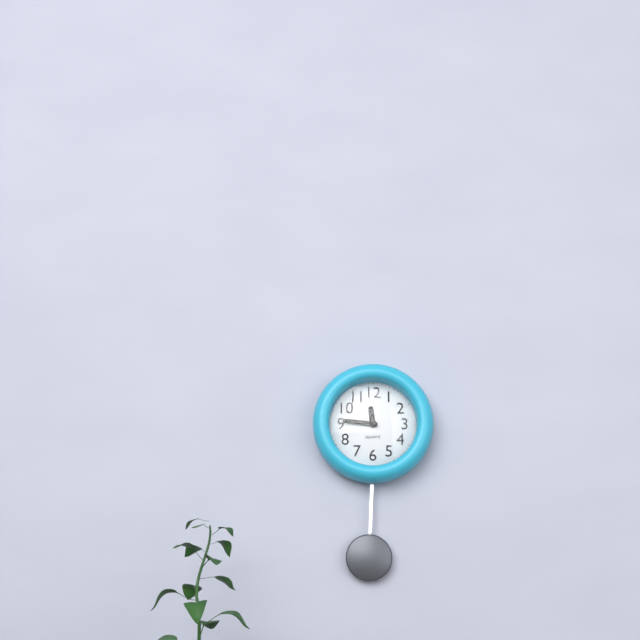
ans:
**11:46**
